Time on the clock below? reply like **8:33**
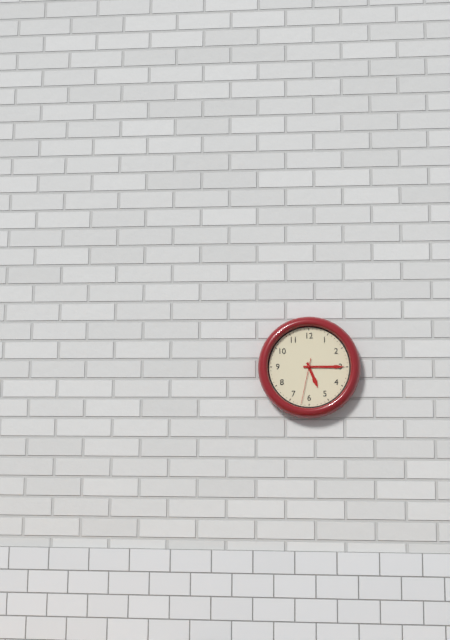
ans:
**5:15**
